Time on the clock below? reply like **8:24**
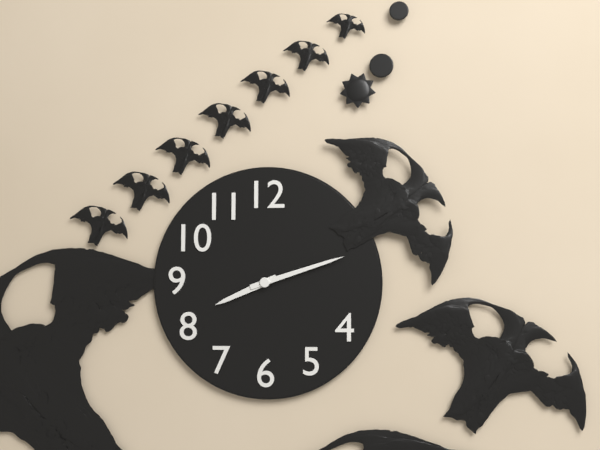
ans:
**8:12**
